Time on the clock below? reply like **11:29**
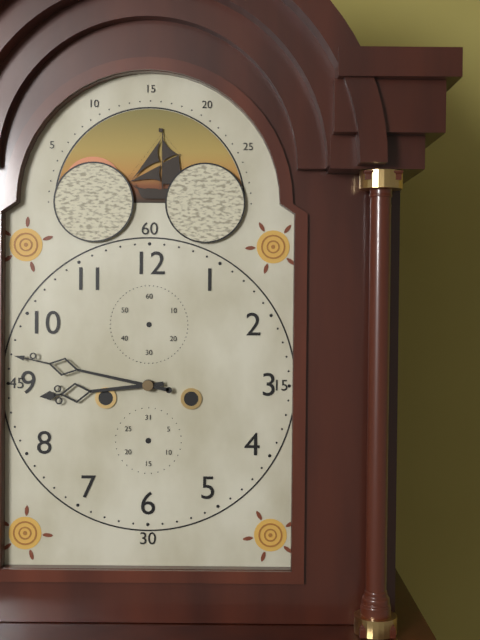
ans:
**8:47**
